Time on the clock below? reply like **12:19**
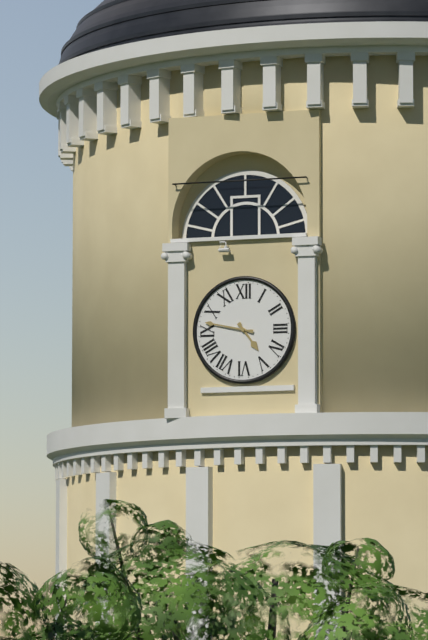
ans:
**4:47**
